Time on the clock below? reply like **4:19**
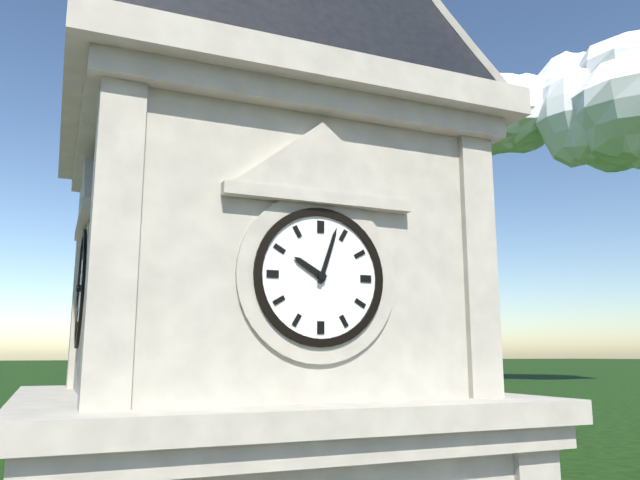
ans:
**10:03**
